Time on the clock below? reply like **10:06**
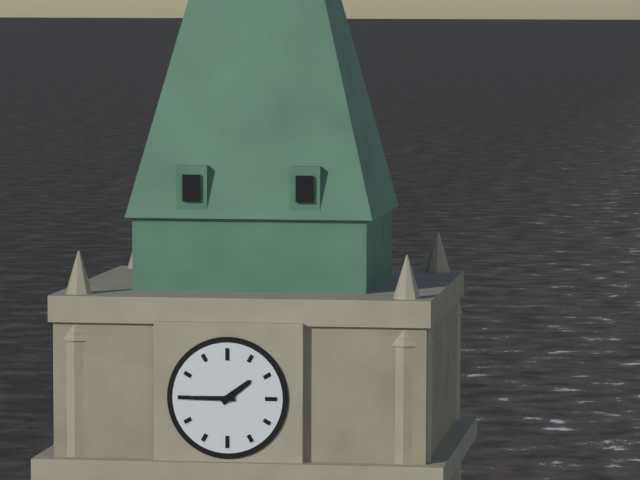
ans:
**1:45**
